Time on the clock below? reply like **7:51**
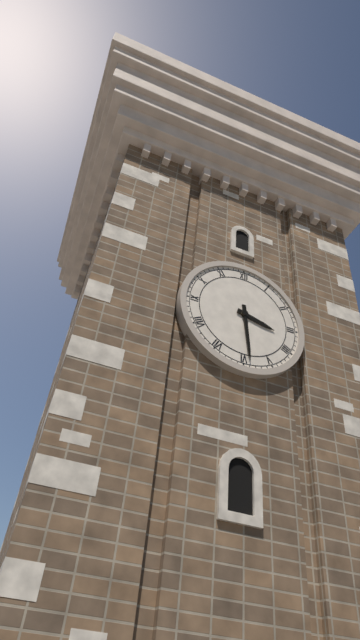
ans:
**3:29**
